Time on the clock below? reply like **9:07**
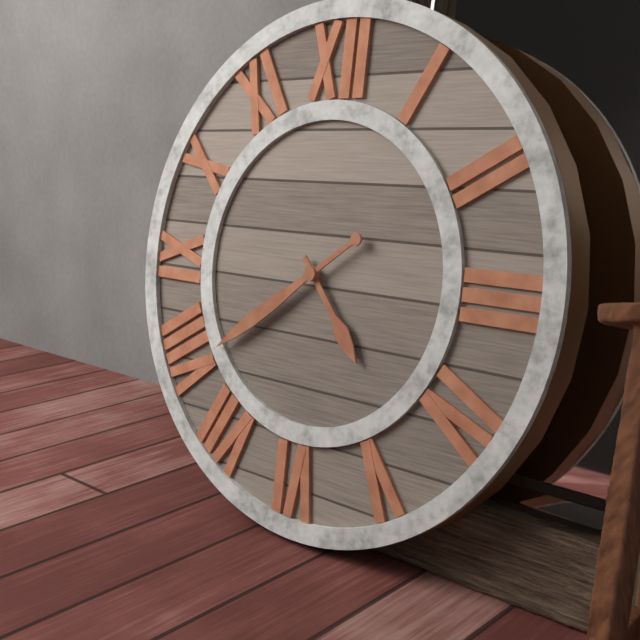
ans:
**4:39**
